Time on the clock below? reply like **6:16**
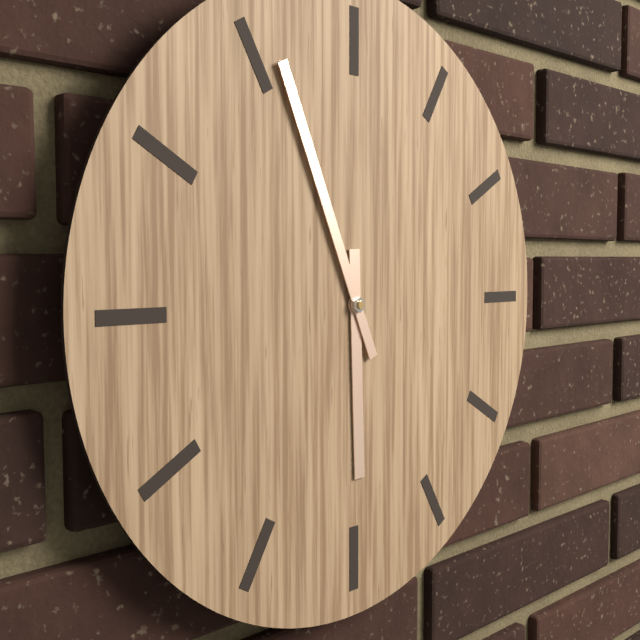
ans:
**5:56**
